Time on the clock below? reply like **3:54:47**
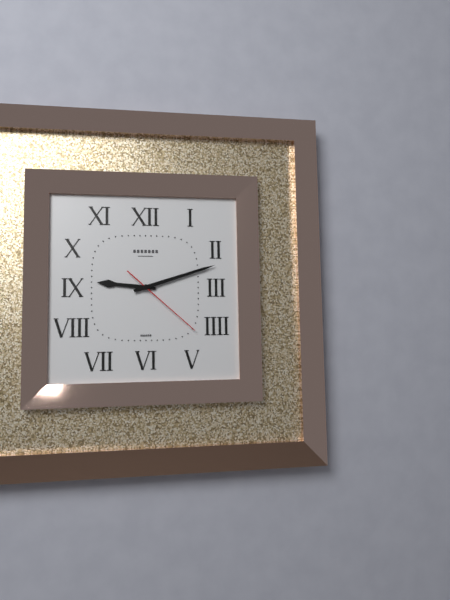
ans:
**9:12:22**
